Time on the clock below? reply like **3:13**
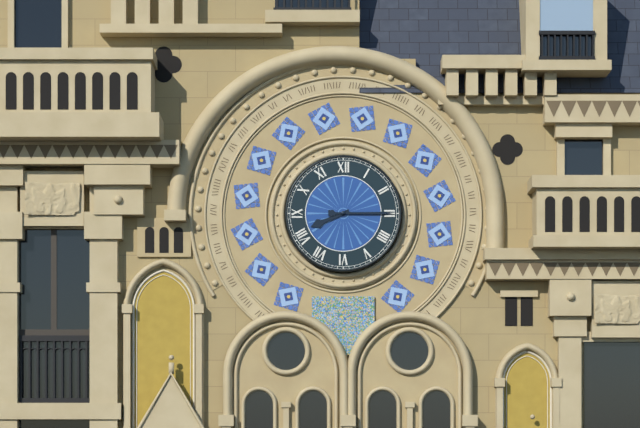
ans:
**8:15**
